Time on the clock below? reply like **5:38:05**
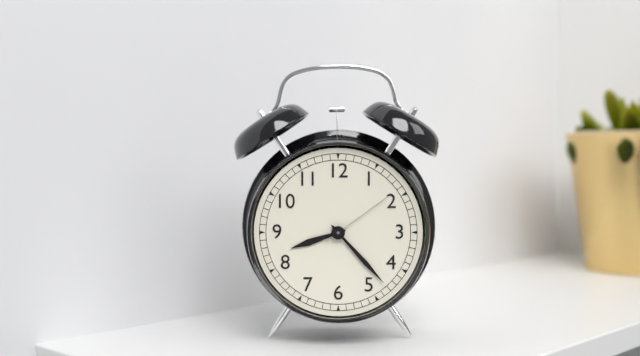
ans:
**8:23:09**
